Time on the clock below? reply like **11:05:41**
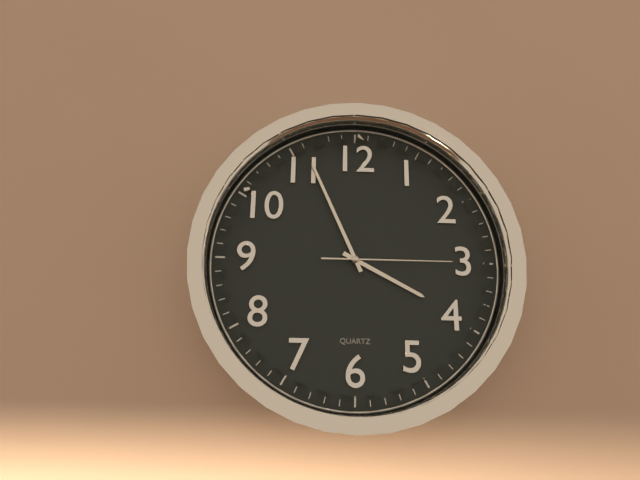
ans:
**3:56:15**
